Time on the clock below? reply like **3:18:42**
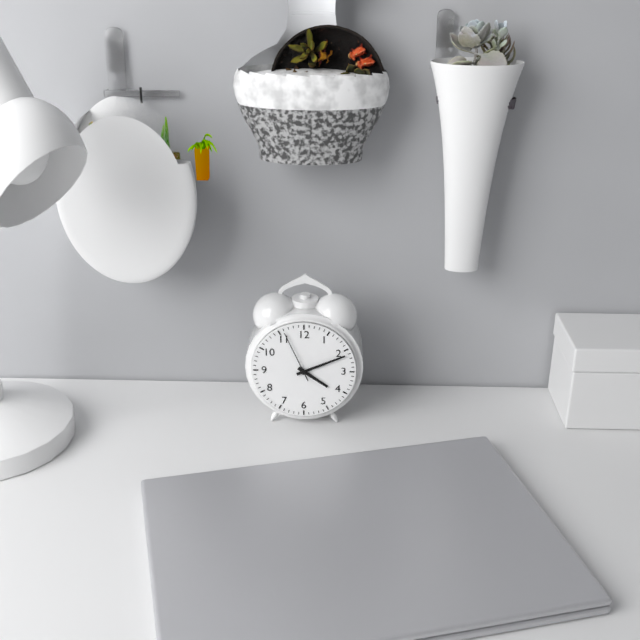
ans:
**4:11:56**
